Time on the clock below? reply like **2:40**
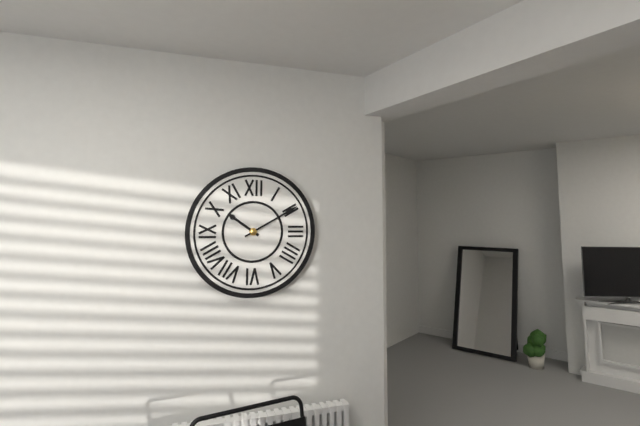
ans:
**10:10**
